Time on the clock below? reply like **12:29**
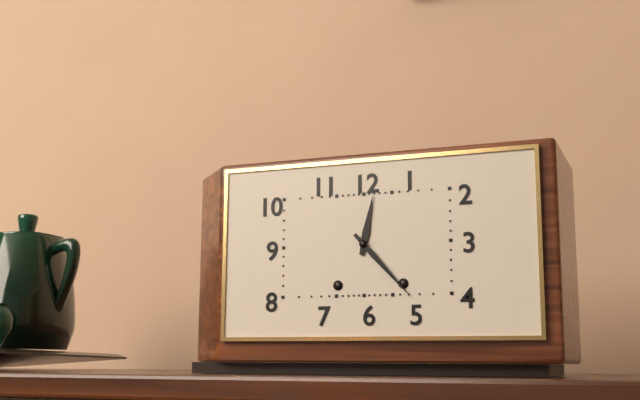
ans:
**12:23**
